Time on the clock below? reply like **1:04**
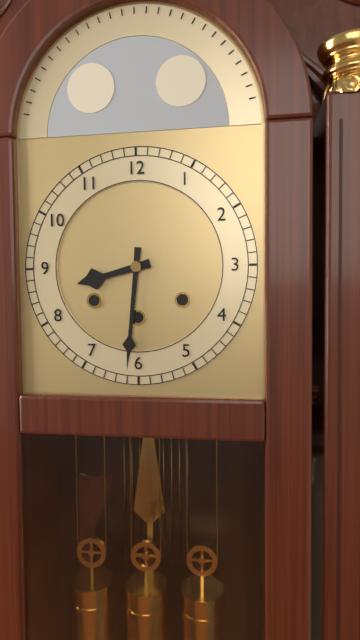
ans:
**8:31**
